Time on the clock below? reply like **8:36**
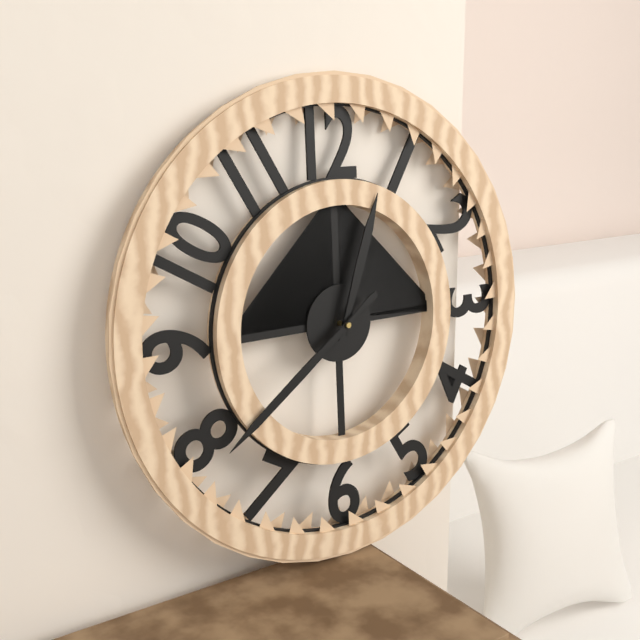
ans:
**12:39**
